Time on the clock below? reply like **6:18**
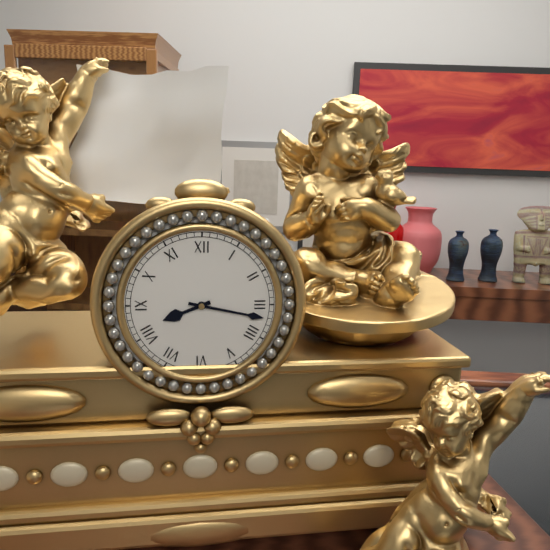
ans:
**8:17**
